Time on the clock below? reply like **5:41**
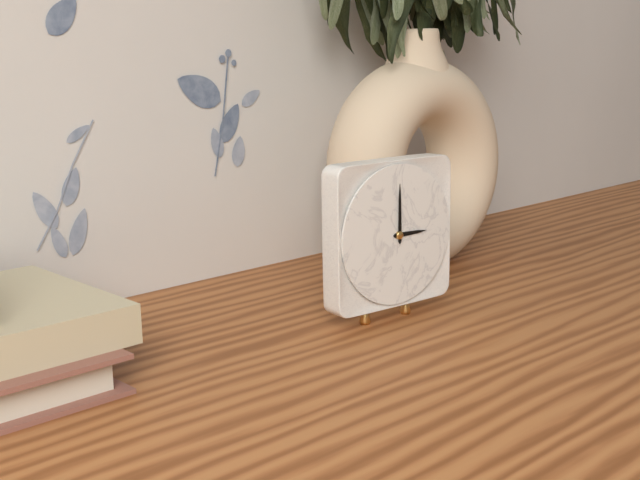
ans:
**3:00**
